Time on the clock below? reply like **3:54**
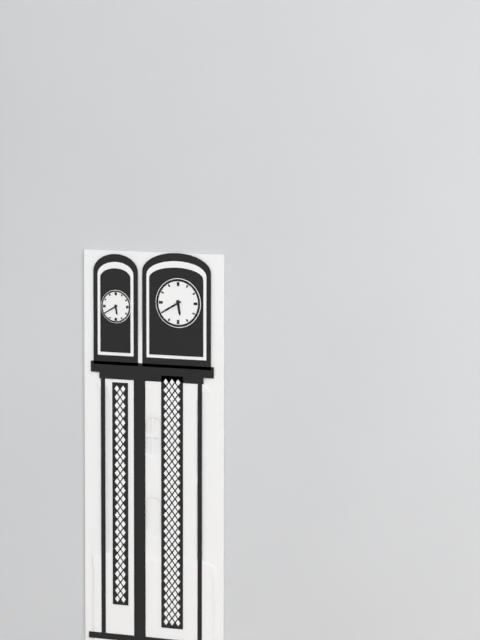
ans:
**5:40**
